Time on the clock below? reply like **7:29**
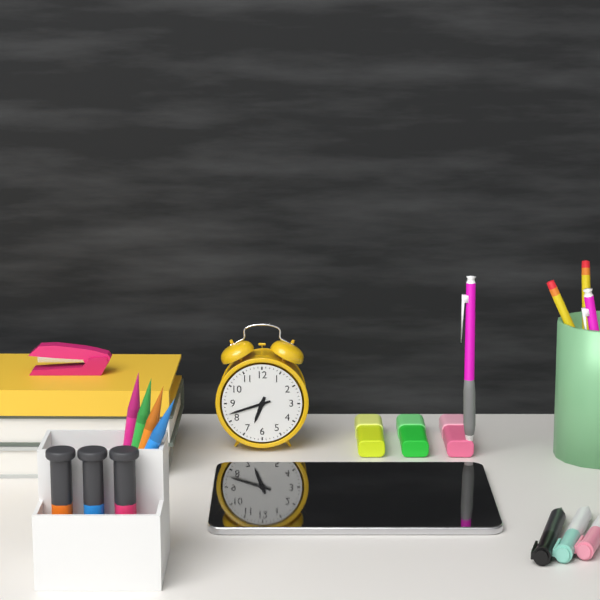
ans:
**6:42**
